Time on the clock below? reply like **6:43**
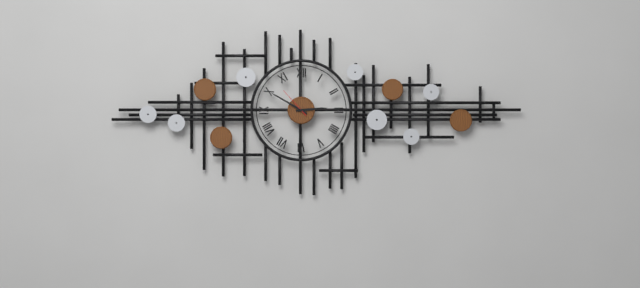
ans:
**2:50**
